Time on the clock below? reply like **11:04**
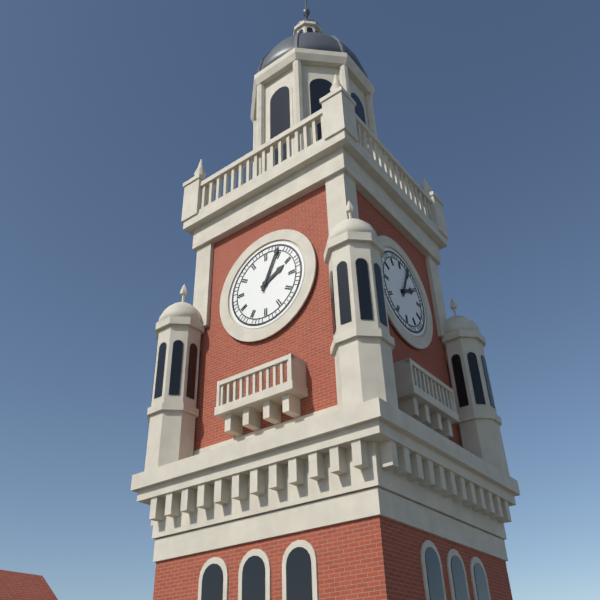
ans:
**2:04**
